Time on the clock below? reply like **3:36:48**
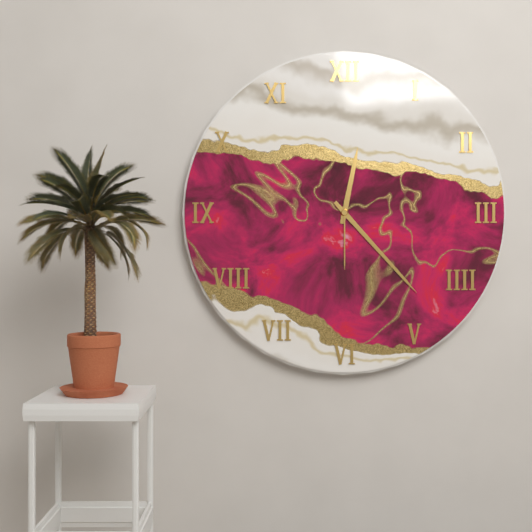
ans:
**12:23:30**
